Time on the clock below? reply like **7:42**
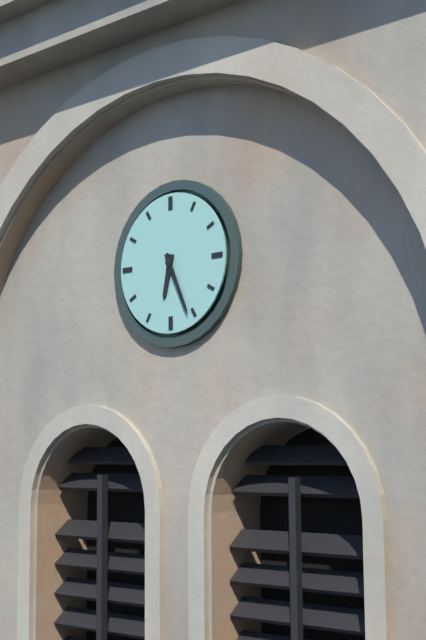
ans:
**6:26**
